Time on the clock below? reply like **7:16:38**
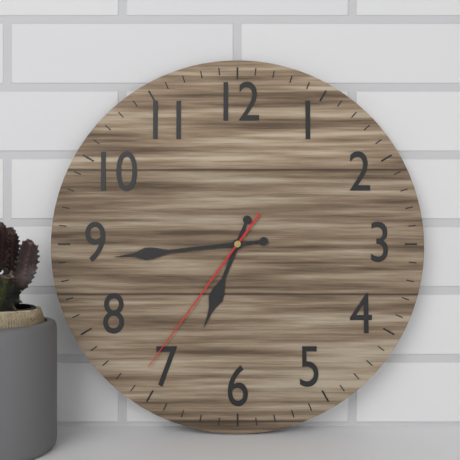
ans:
**6:44:36**
